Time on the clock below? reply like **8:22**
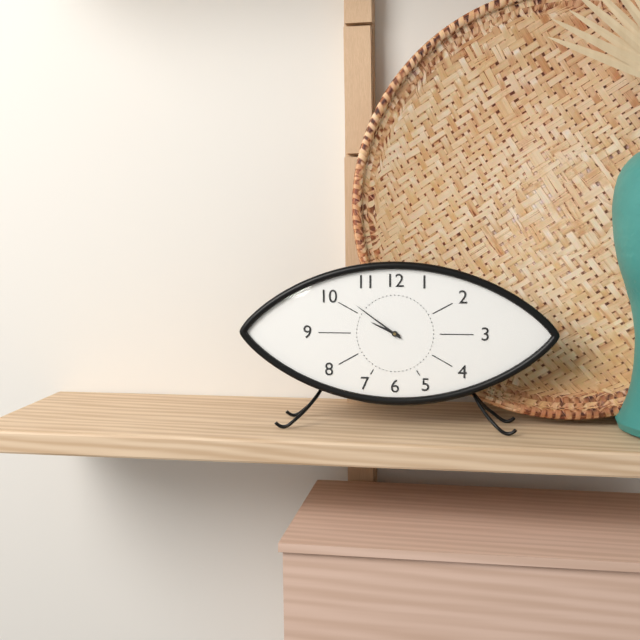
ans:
**9:51**
